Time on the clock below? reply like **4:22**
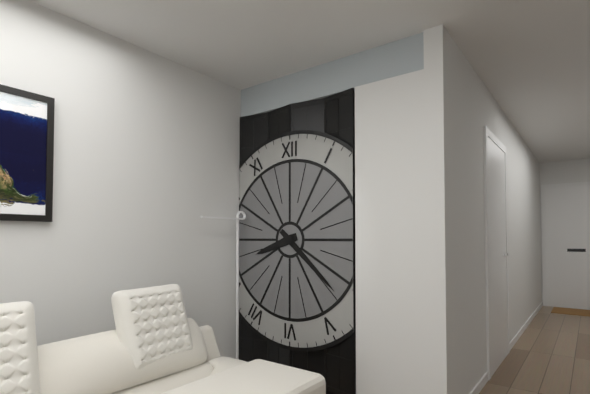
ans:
**8:22**
